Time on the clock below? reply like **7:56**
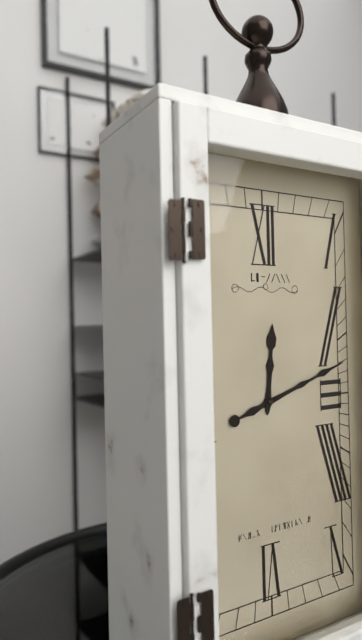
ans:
**12:12**
